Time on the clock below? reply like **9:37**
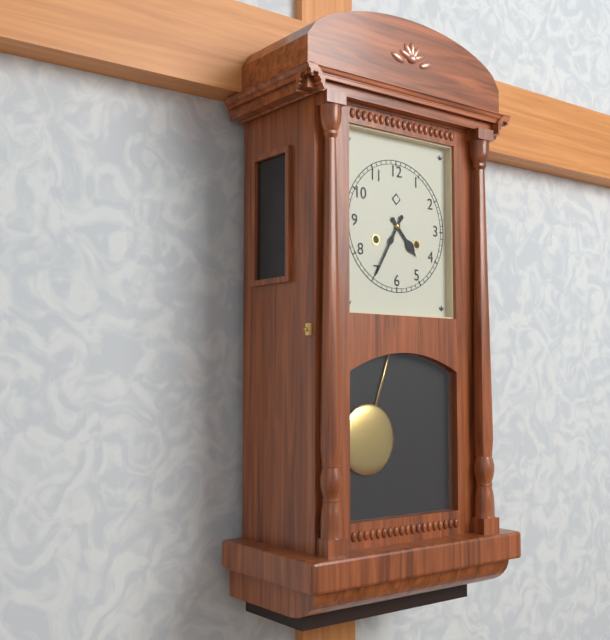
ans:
**4:35**
